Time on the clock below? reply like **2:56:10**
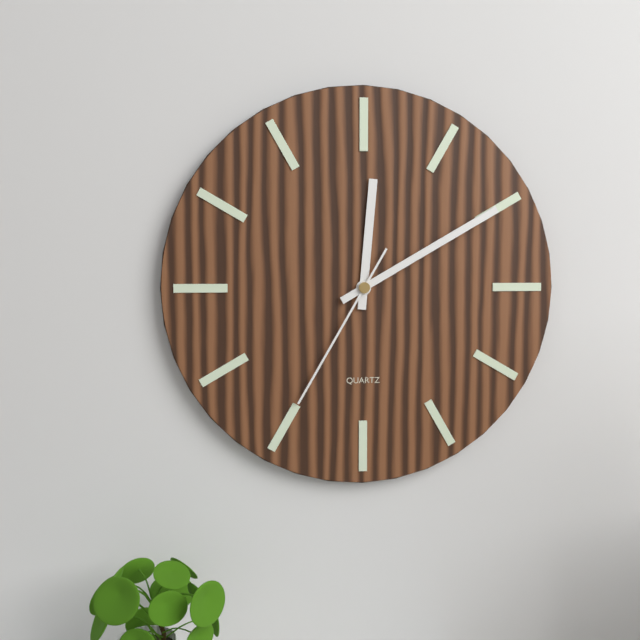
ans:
**12:10:35**
